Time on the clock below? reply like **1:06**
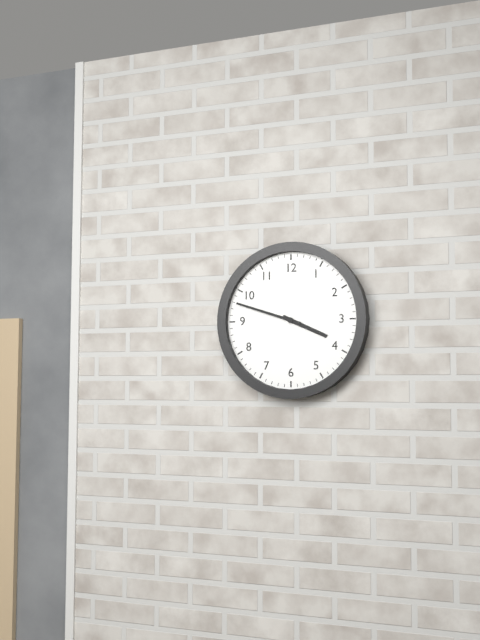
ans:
**3:48**
